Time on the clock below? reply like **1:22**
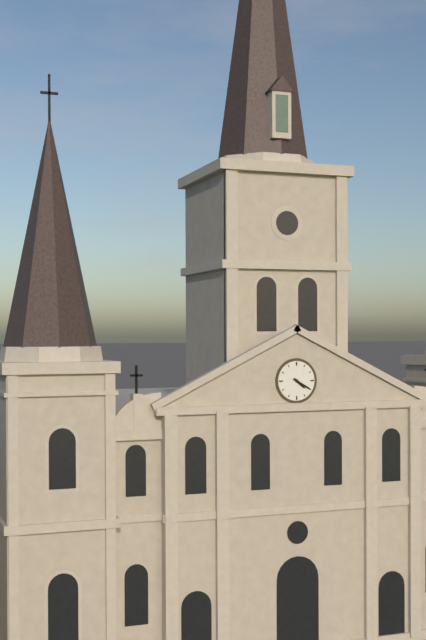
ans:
**4:20**
